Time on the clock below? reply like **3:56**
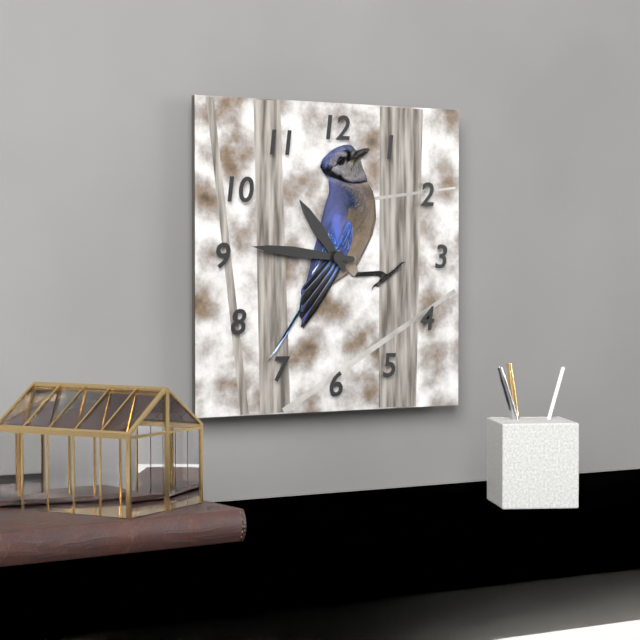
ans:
**10:46**
